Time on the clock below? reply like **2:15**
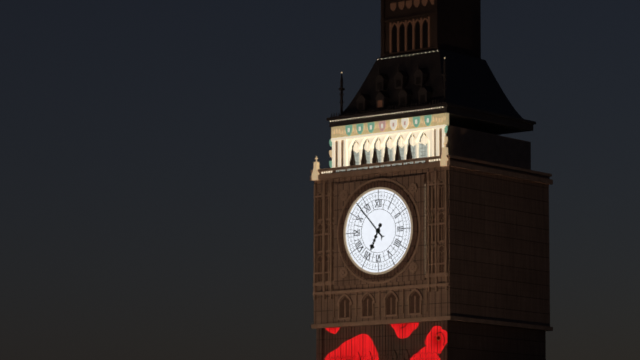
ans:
**6:53**
